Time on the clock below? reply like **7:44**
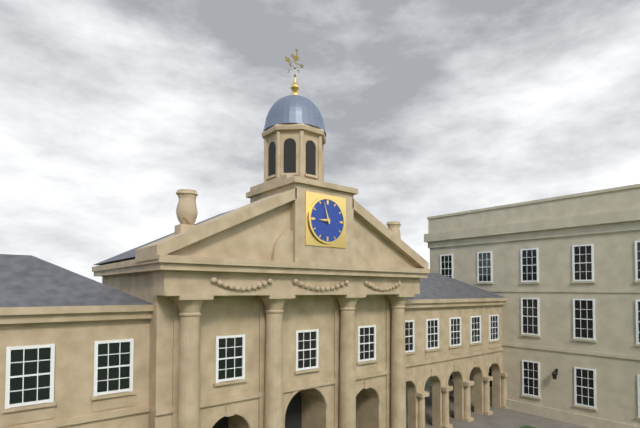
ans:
**8:57**
